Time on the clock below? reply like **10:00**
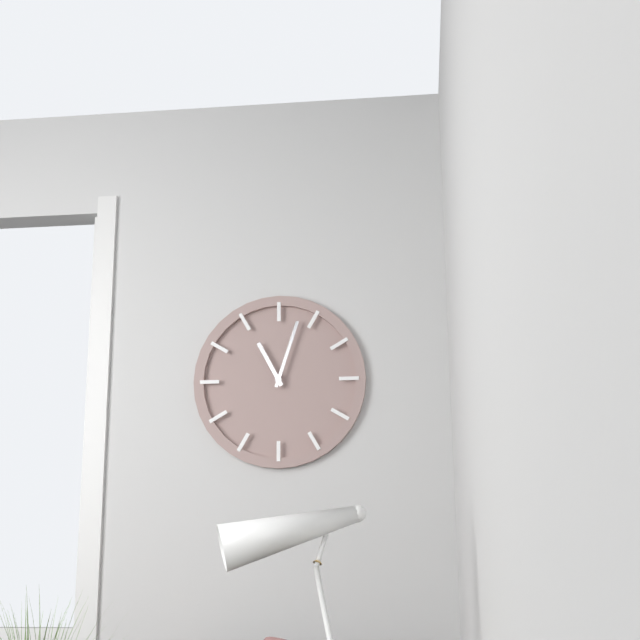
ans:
**11:03**
